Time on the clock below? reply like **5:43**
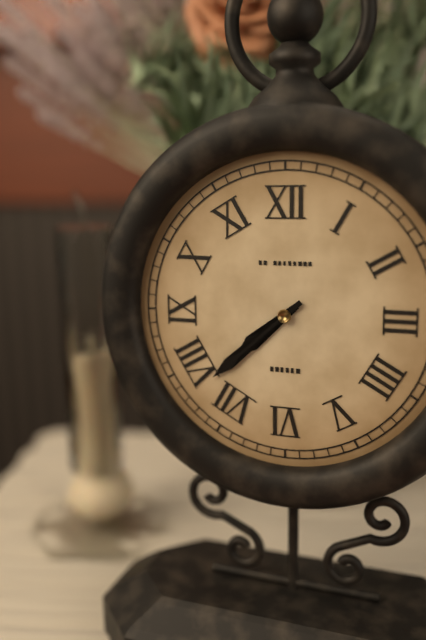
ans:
**7:38**
